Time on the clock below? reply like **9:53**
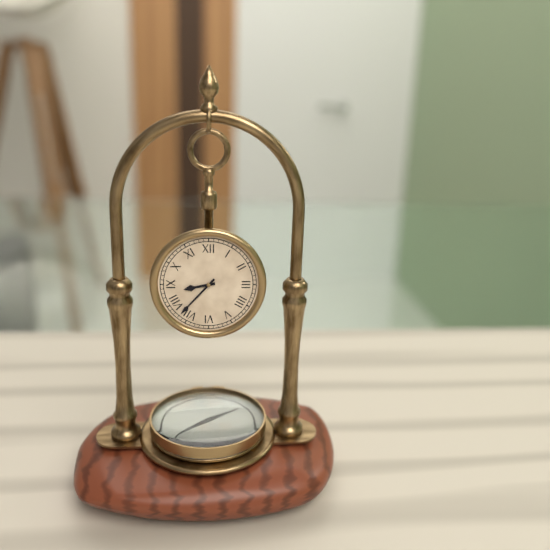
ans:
**8:37**
